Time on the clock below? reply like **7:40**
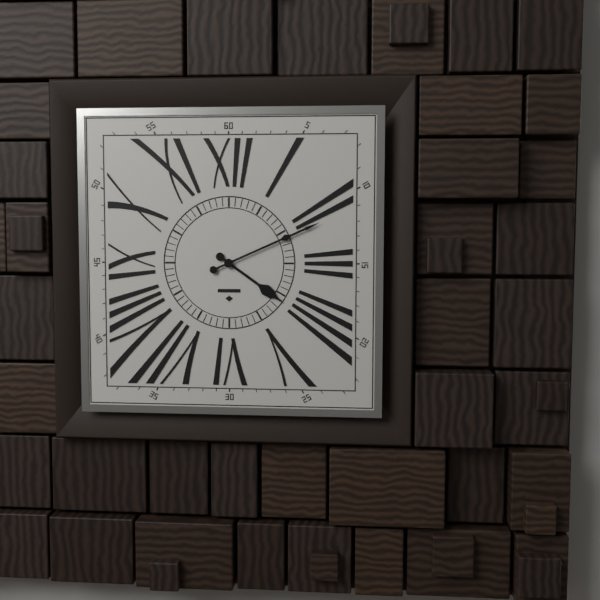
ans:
**4:11**
